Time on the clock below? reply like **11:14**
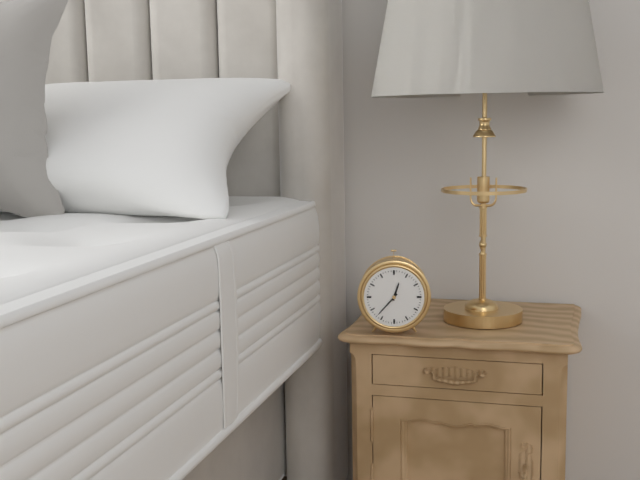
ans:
**12:37**
